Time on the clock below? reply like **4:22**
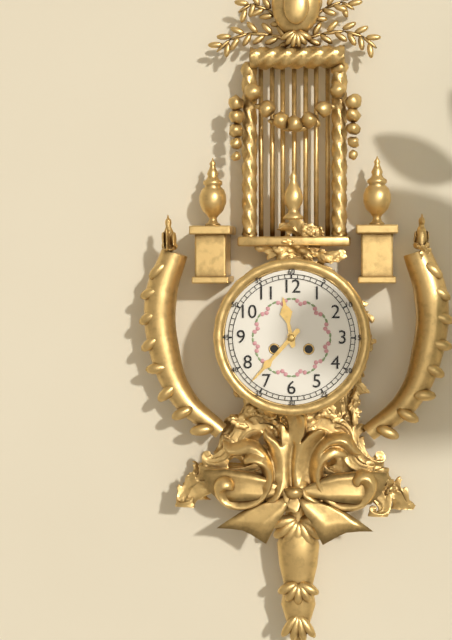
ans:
**11:37**
